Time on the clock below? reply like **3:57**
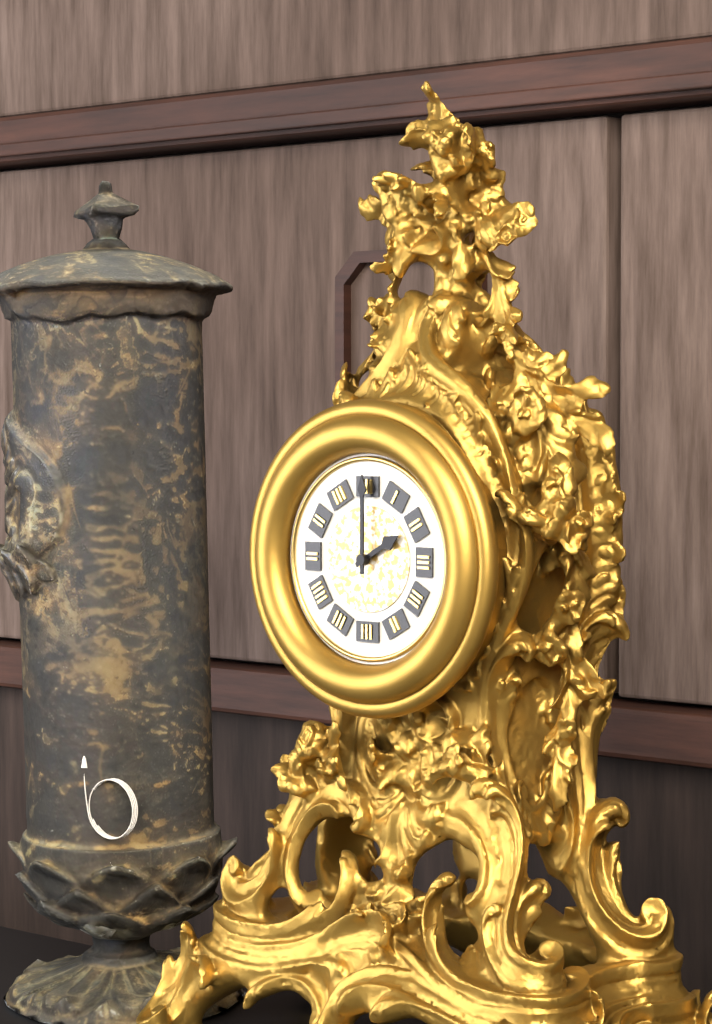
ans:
**2:00**
